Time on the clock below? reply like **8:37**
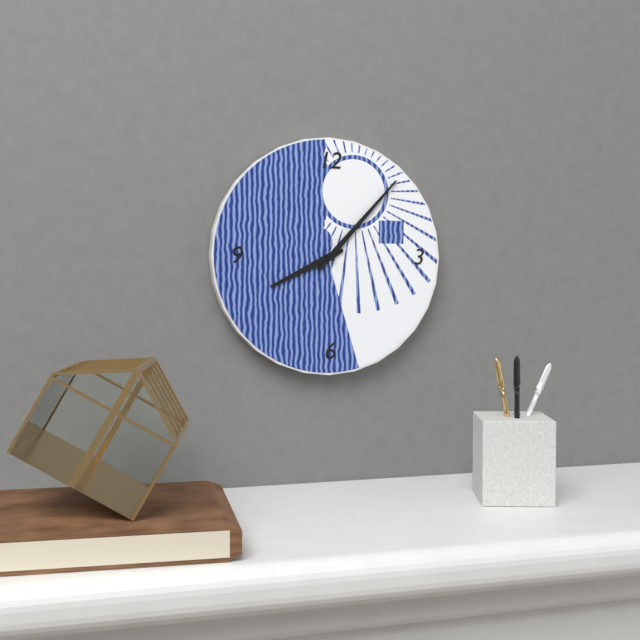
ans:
**8:07**
